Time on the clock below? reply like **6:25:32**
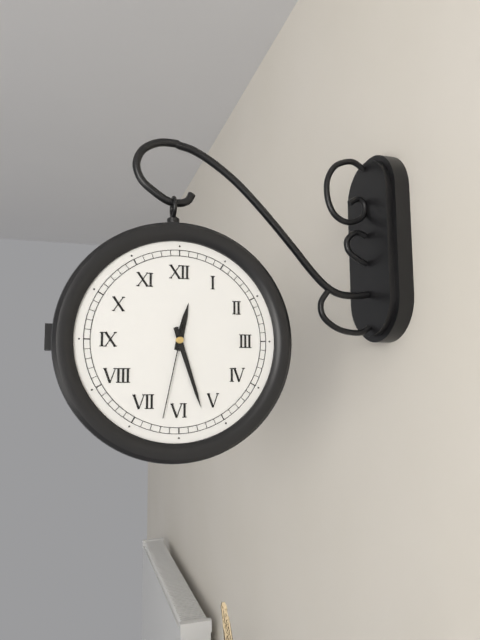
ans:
**12:27:32**
